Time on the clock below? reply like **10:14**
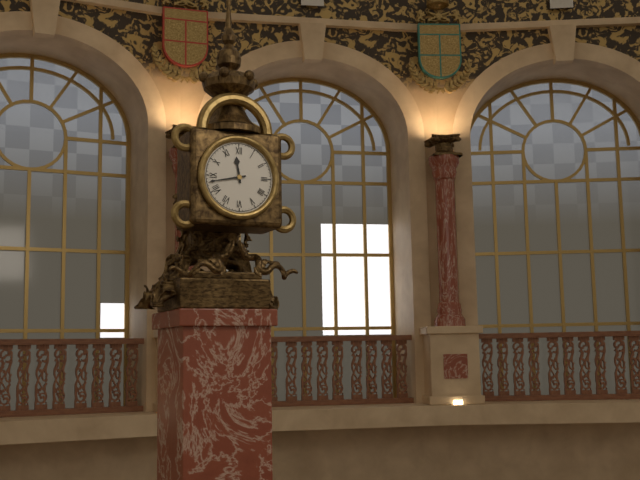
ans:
**11:43**
